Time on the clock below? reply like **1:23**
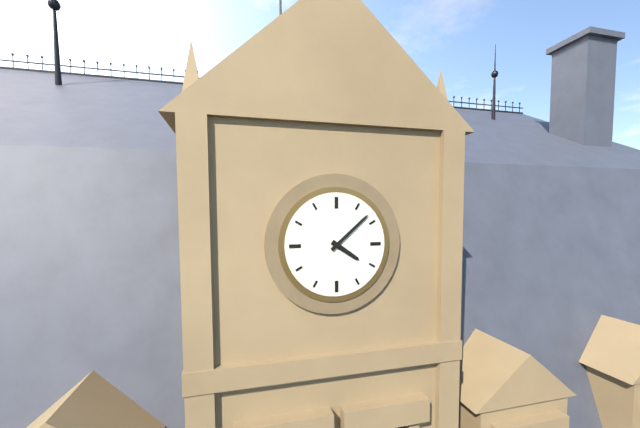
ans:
**4:08**
